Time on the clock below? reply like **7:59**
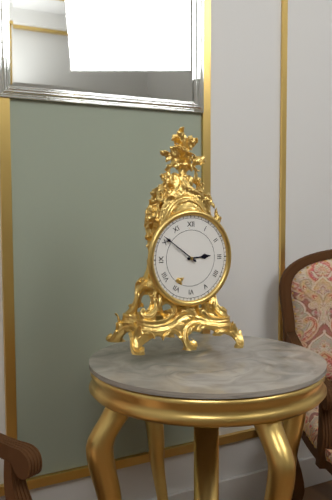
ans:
**2:51**
